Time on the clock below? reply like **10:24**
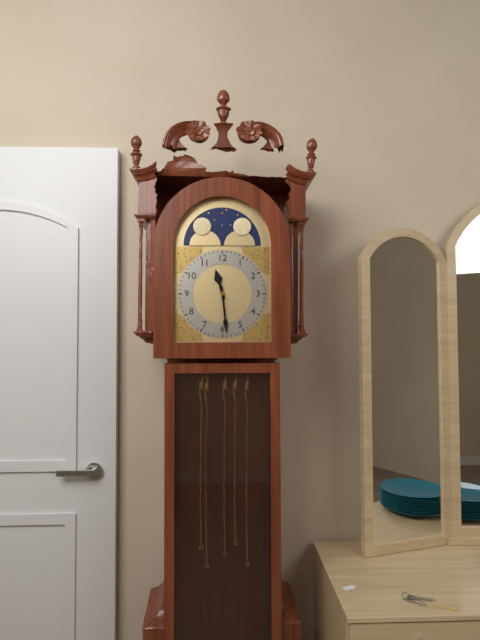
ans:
**11:29**
